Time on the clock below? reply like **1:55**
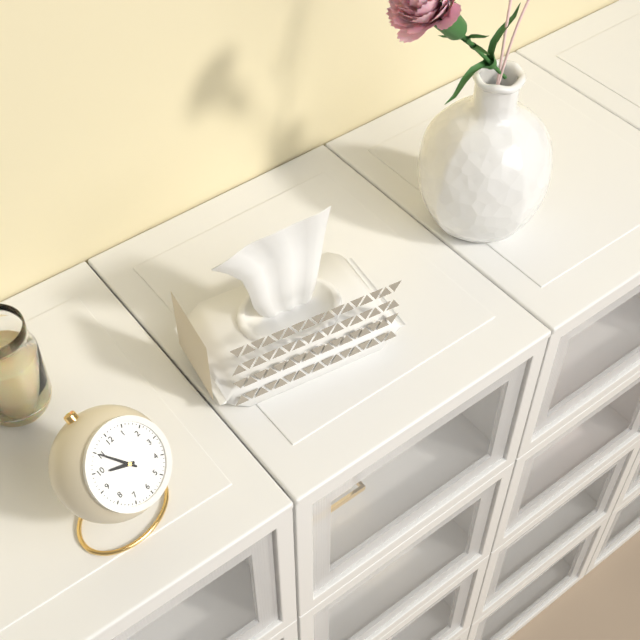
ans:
**9:55**
